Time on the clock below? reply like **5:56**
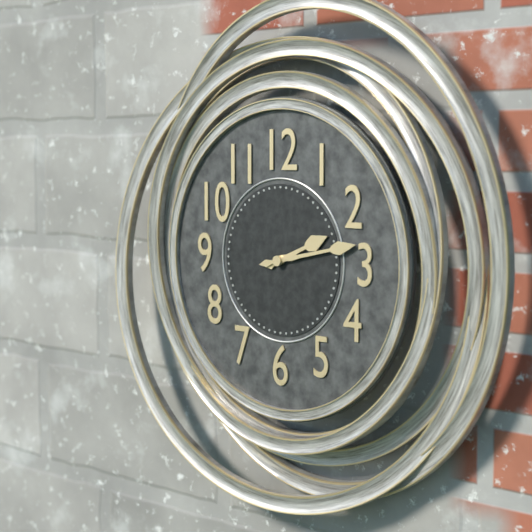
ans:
**2:13**
